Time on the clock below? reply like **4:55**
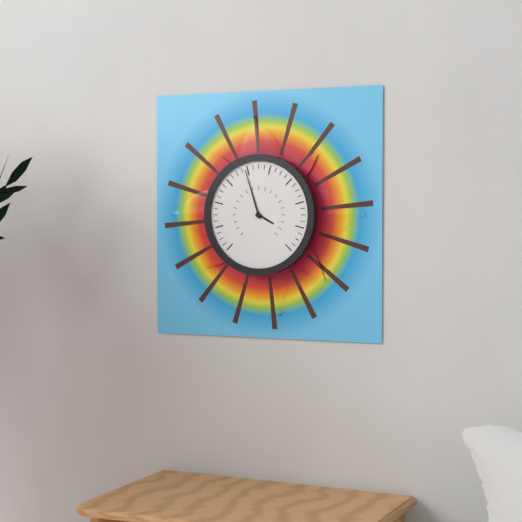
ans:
**3:57**
